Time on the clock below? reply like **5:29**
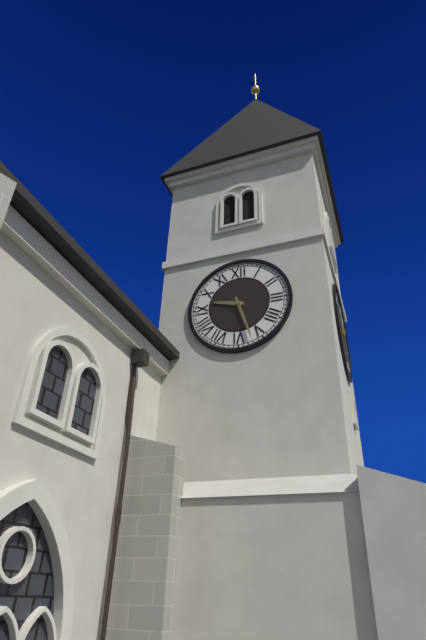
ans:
**9:27**
